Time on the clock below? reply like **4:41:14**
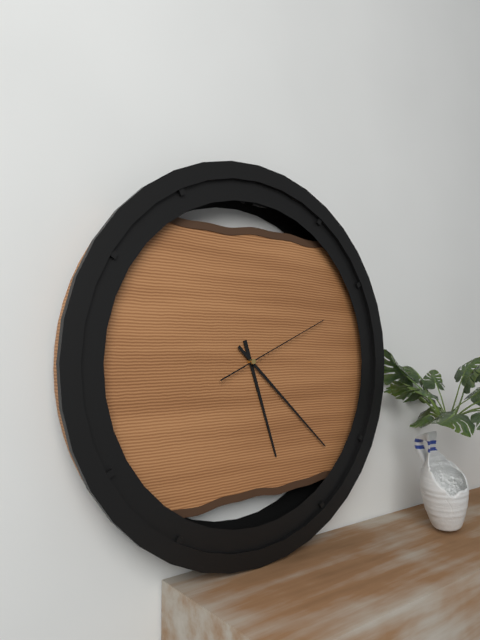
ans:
**5:22:11**
